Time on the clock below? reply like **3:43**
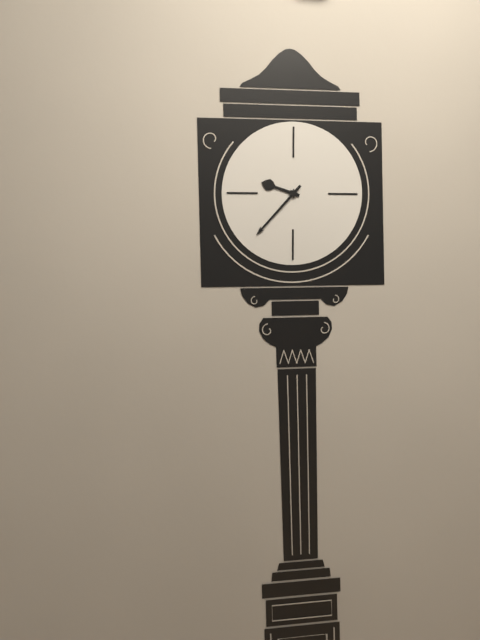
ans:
**9:37**
